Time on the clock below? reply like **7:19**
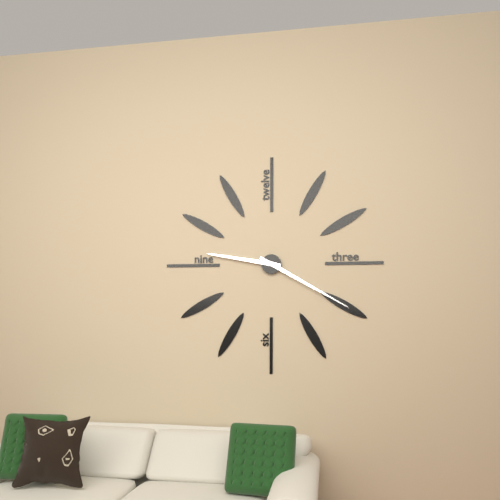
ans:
**9:20**
